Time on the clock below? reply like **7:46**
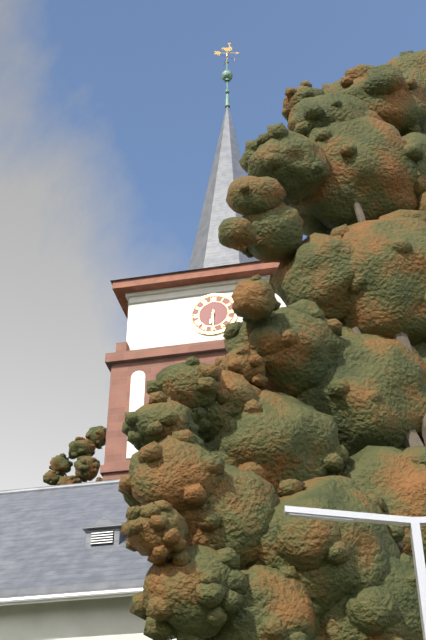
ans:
**6:30**
